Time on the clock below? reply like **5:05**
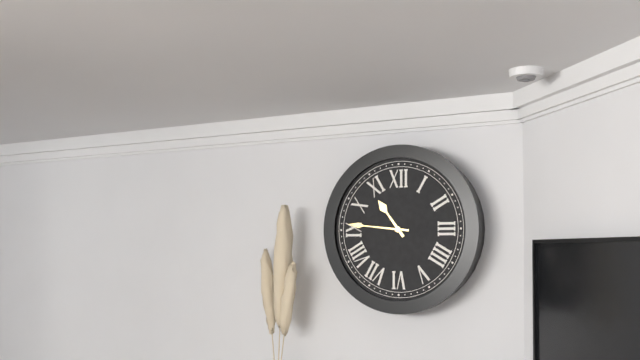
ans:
**10:46**
